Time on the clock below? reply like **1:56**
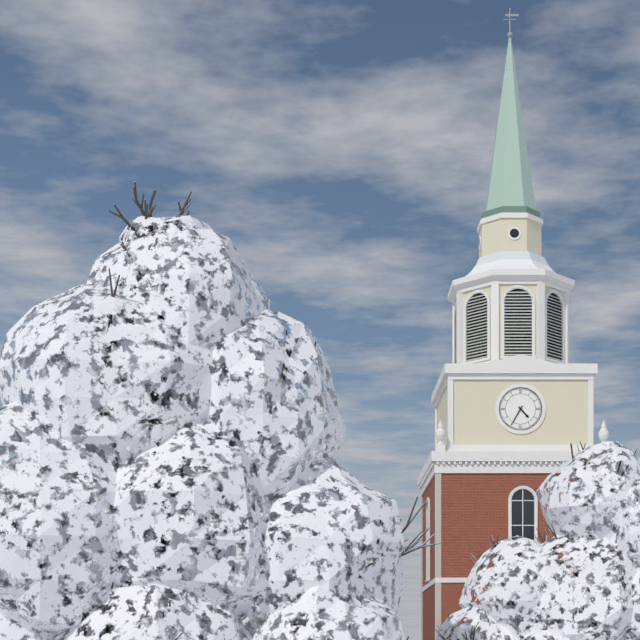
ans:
**4:35**
